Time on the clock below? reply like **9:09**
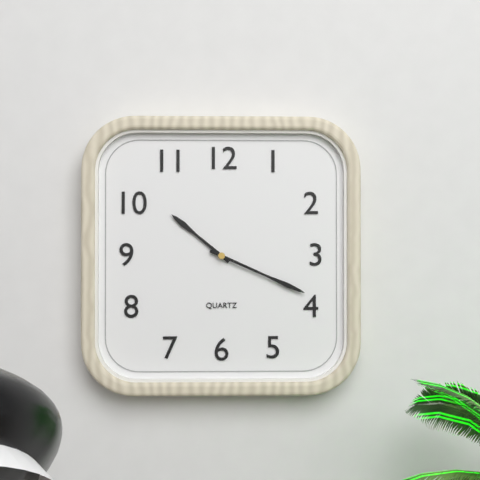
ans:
**10:19**
